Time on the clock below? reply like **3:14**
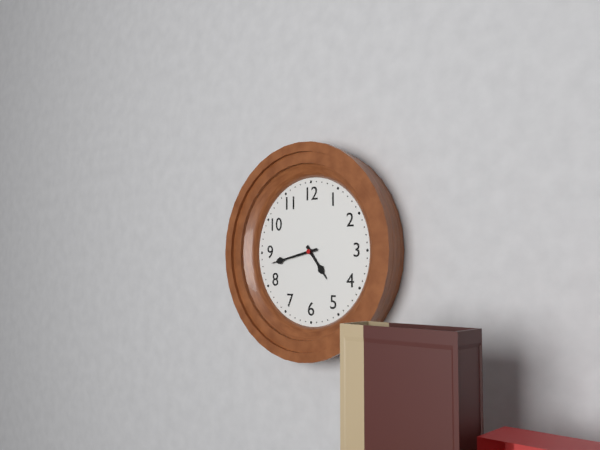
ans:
**4:43**
